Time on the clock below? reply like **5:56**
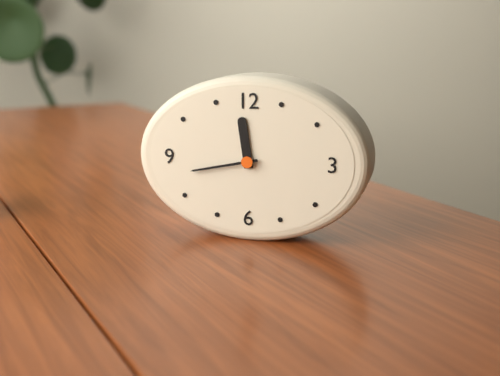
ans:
**11:43**
